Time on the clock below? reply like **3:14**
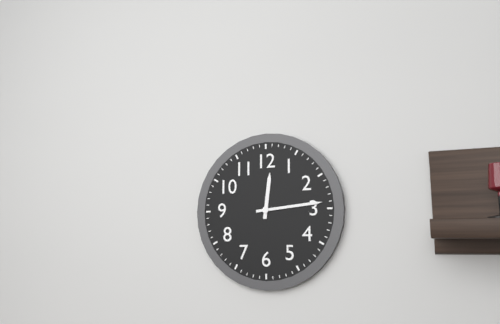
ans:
**12:14**
